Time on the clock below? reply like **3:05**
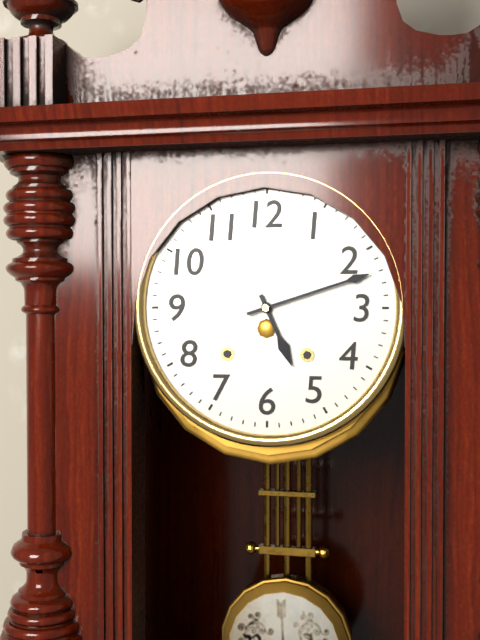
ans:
**5:12**
